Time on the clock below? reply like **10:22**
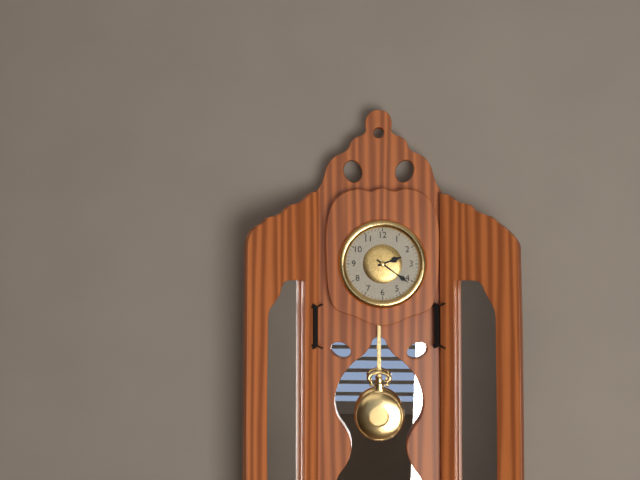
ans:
**2:21**
